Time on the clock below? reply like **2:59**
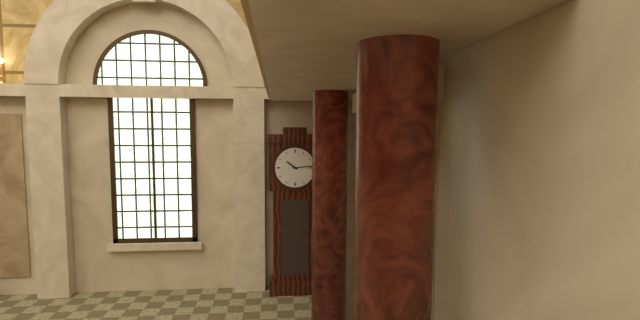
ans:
**10:14**
